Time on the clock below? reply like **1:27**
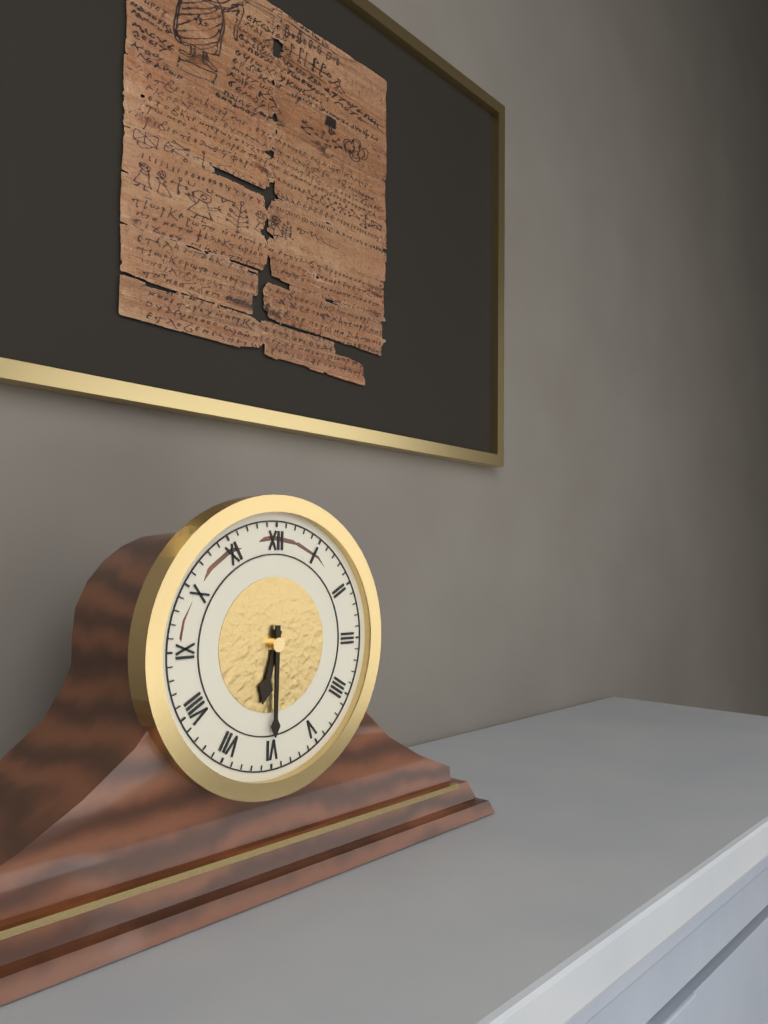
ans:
**6:30**
